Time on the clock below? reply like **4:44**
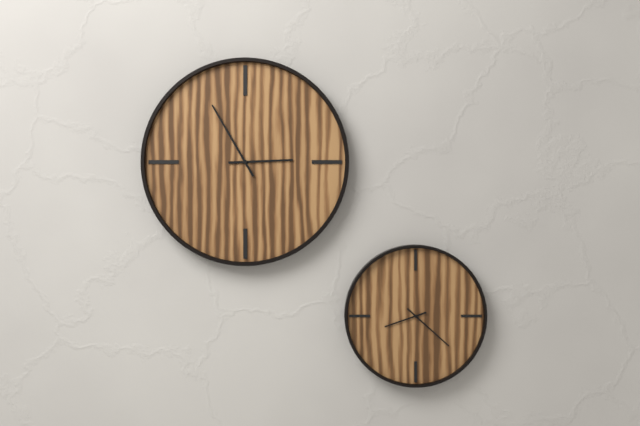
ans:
**2:55**
